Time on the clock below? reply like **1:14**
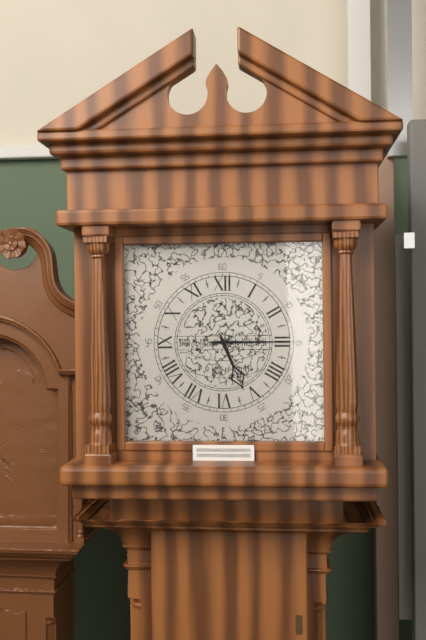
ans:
**5:15**
